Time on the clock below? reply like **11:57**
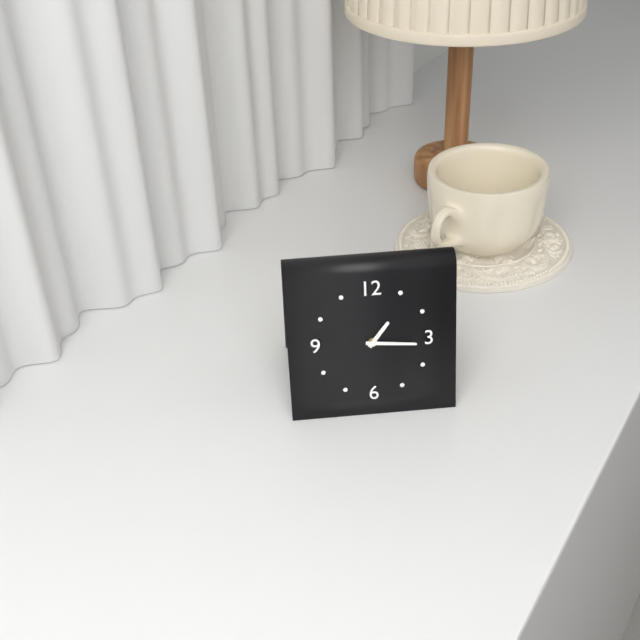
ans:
**1:16**
